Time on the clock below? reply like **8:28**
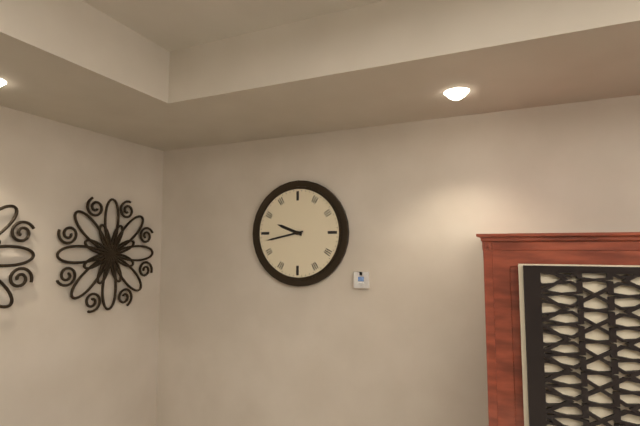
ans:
**9:43**
